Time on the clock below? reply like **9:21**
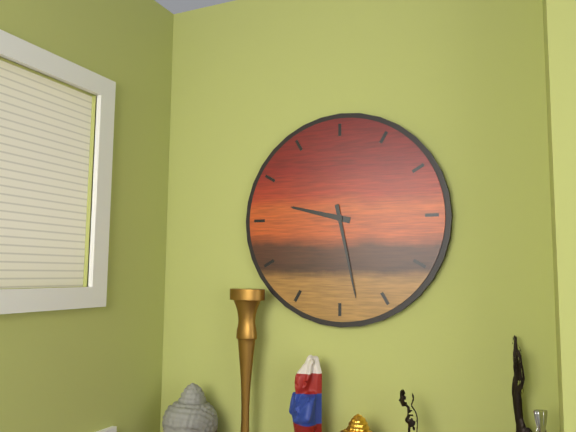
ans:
**9:28**
